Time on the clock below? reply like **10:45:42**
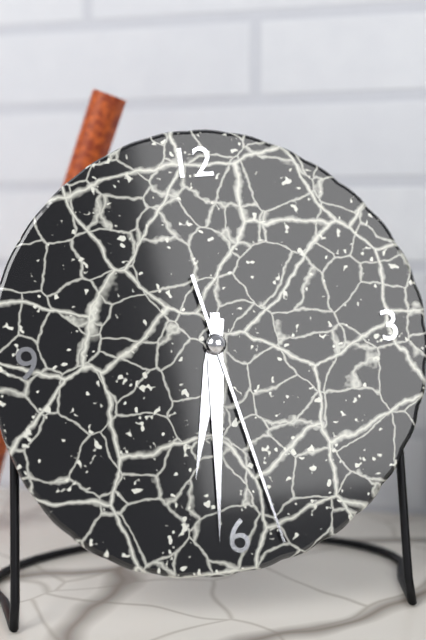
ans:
**6:31:28**
